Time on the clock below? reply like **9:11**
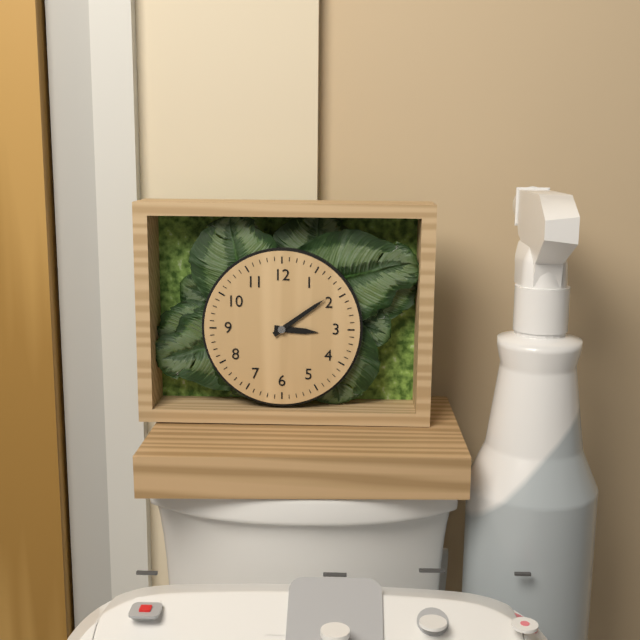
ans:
**3:09**
